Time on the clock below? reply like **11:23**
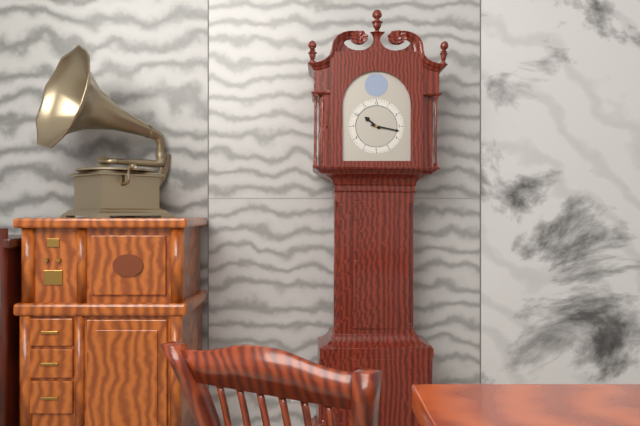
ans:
**10:17**
